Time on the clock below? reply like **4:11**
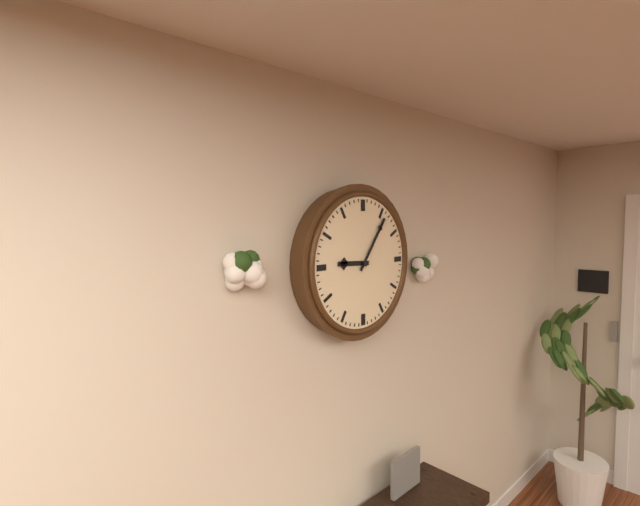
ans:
**9:06**
